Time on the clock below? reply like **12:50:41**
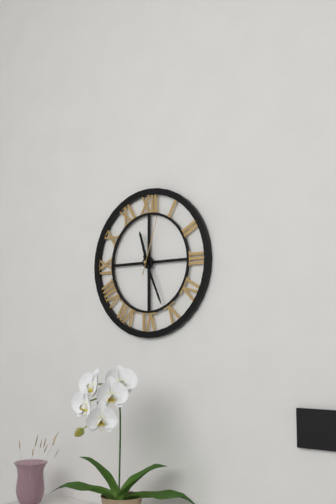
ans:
**11:26:03**
